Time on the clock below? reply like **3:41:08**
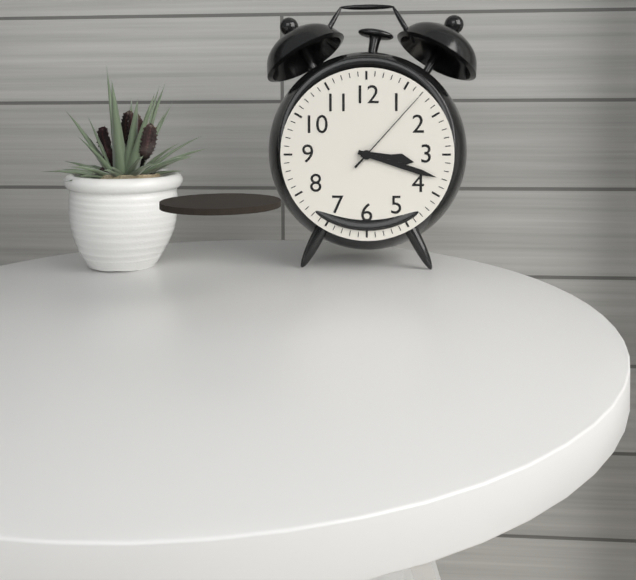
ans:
**3:18:07**
